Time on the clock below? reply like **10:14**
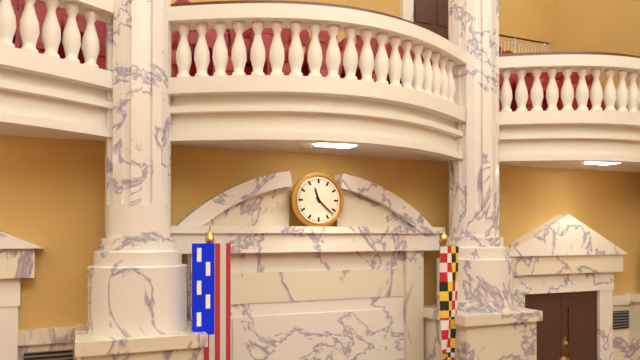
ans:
**11:22**
